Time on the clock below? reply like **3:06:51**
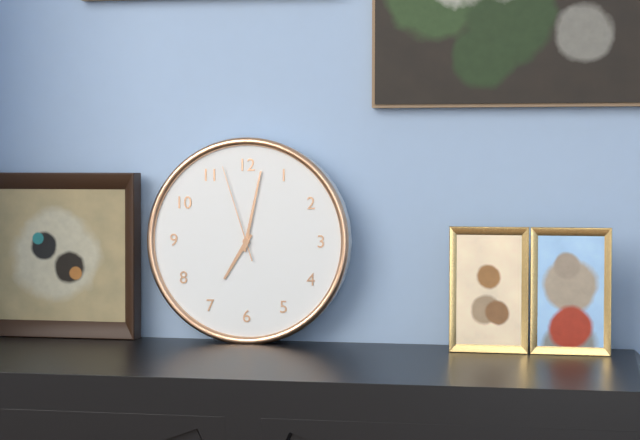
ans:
**7:02:57**
